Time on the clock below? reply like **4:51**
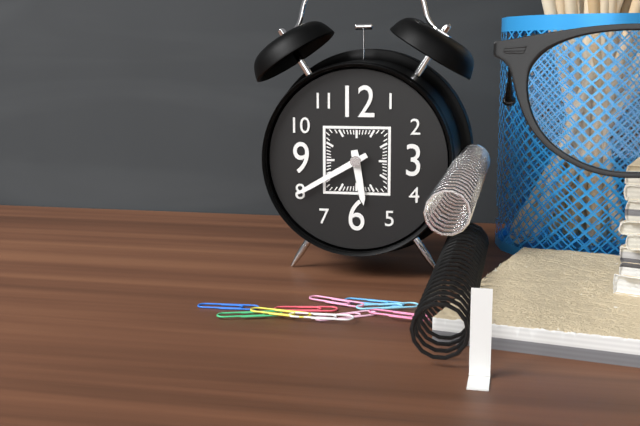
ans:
**5:40**
